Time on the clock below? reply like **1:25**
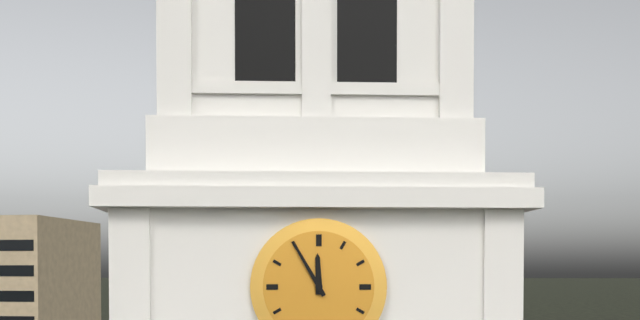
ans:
**11:55**
